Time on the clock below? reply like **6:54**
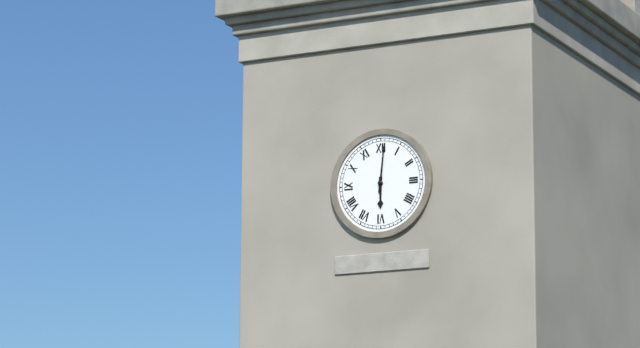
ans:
**6:01**
